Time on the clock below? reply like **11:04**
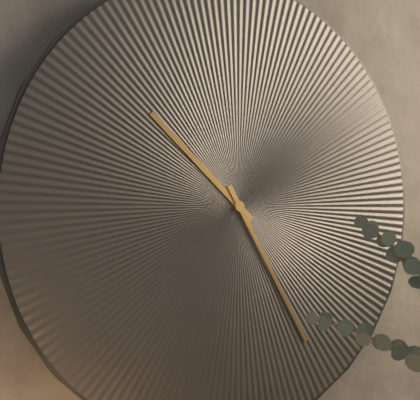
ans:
**10:25**
